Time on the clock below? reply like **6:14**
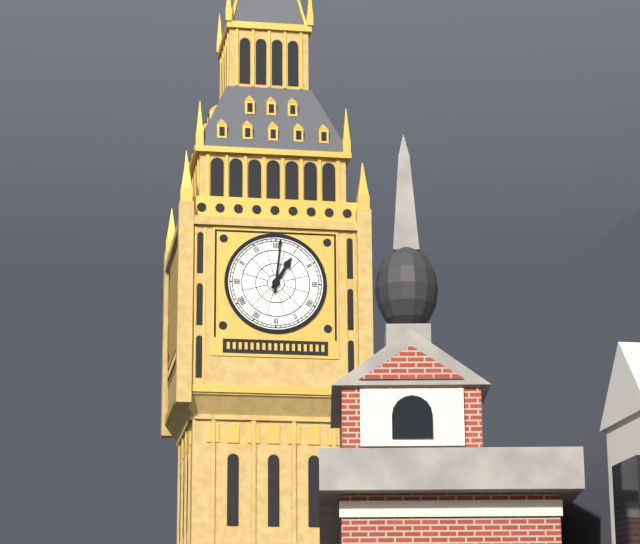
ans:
**1:01**
